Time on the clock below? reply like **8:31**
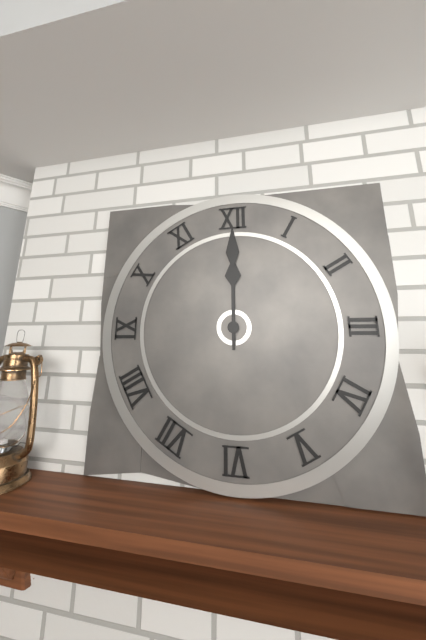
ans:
**12:00**
